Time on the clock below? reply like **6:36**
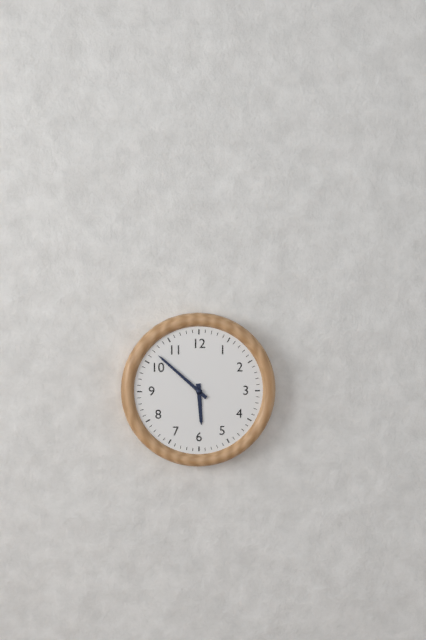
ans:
**5:52**
